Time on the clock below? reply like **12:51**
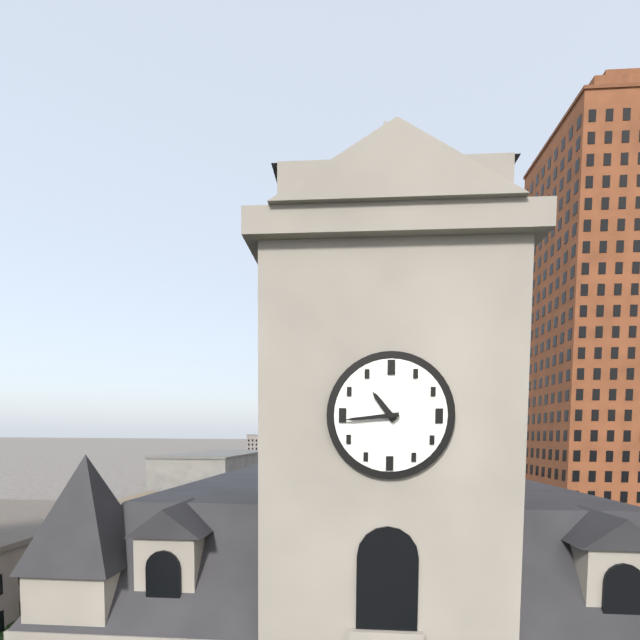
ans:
**10:44**
